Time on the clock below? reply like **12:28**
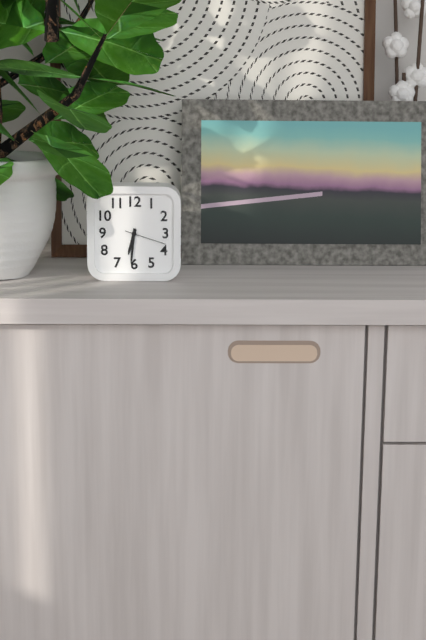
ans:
**6:31**
